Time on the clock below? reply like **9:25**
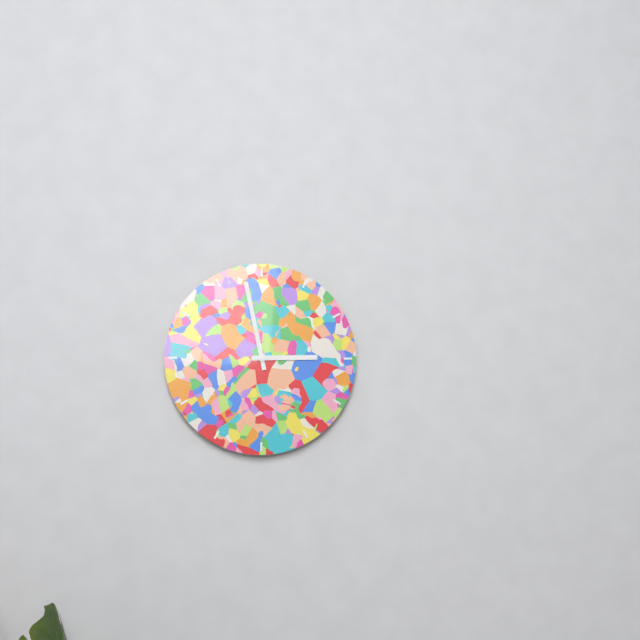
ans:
**2:58**
